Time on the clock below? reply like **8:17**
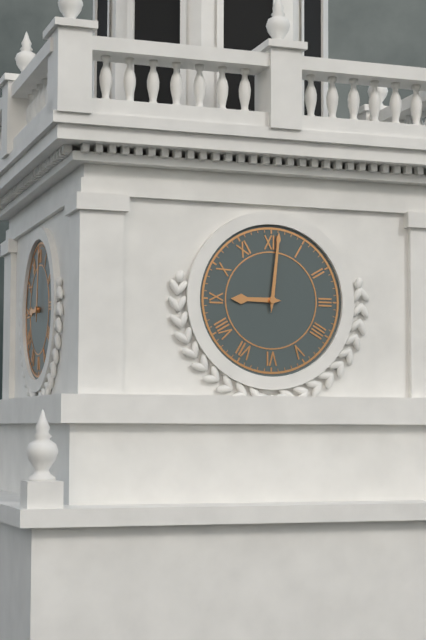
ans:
**9:01**
